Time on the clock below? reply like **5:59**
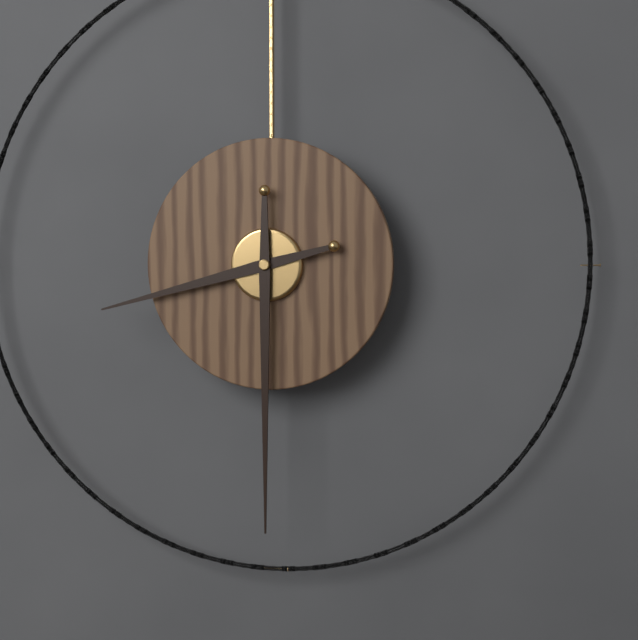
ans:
**8:30**
